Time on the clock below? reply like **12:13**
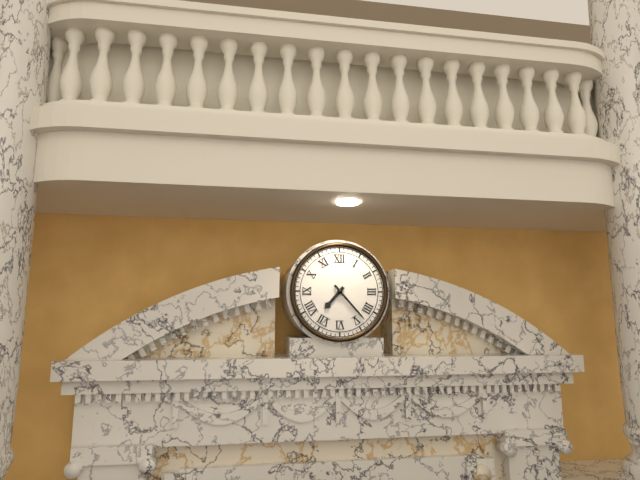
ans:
**7:23**
